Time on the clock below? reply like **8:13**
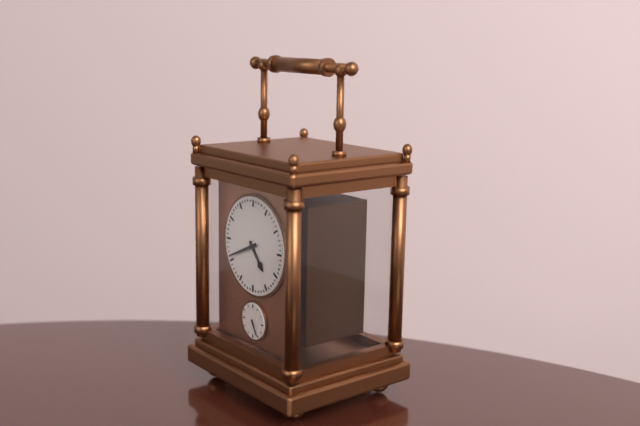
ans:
**4:41**
